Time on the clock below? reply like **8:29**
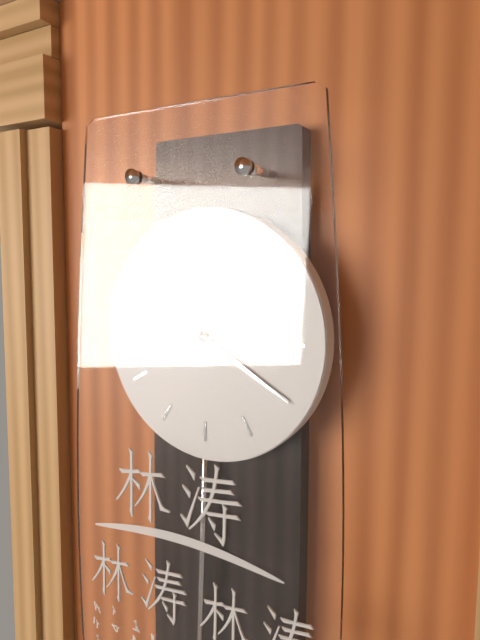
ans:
**8:20**
